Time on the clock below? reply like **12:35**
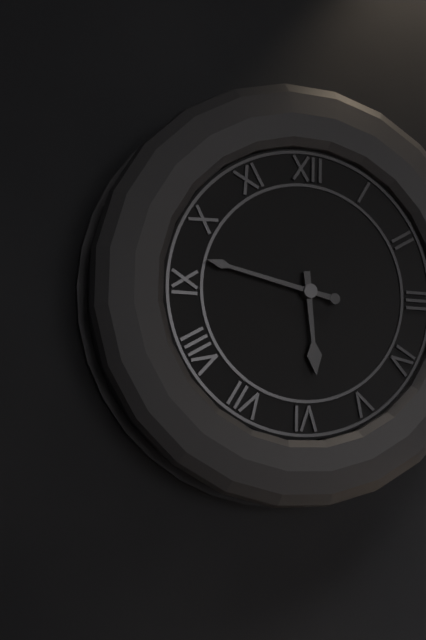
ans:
**5:47**
